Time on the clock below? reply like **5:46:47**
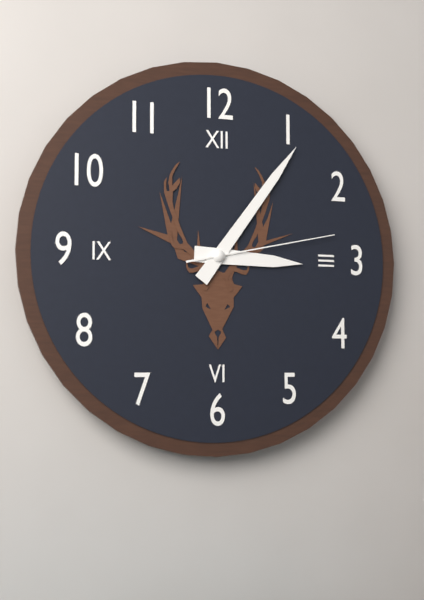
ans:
**3:06:13**
